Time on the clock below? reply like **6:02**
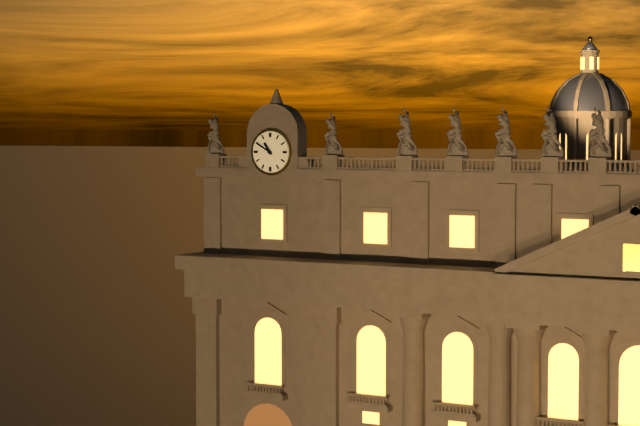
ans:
**10:50**
